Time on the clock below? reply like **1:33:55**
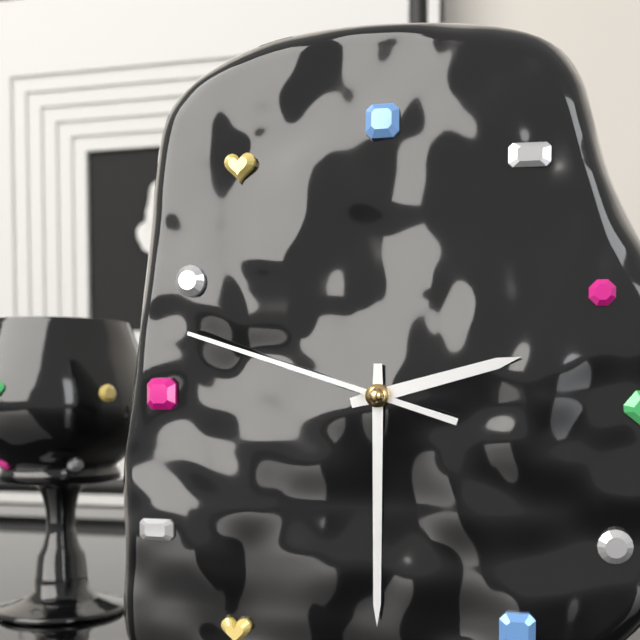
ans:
**2:30:48**
